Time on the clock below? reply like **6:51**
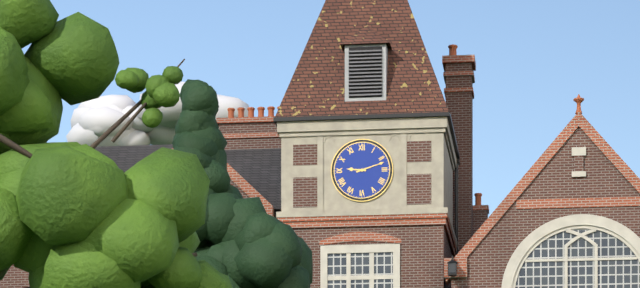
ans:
**9:12**
